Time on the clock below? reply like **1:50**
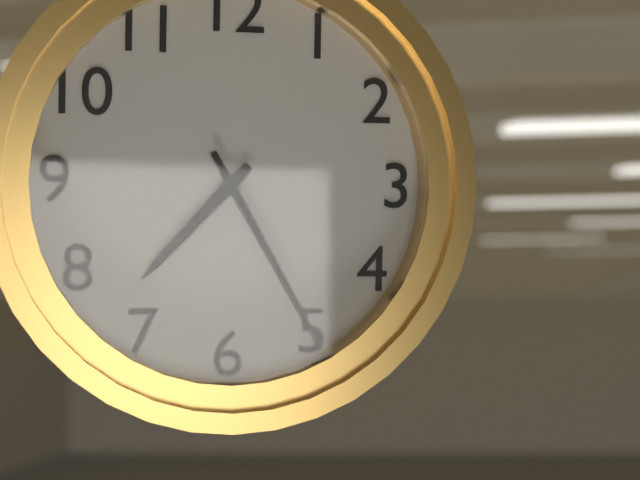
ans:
**7:25**
